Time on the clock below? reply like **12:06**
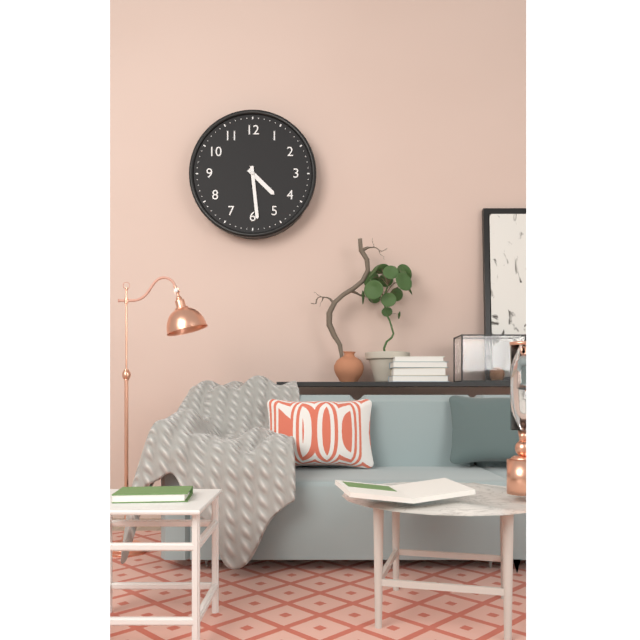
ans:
**4:29**
